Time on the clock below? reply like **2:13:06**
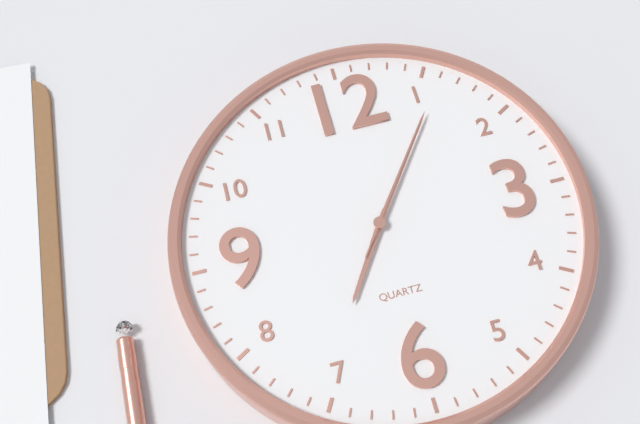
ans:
**7:06:06**
